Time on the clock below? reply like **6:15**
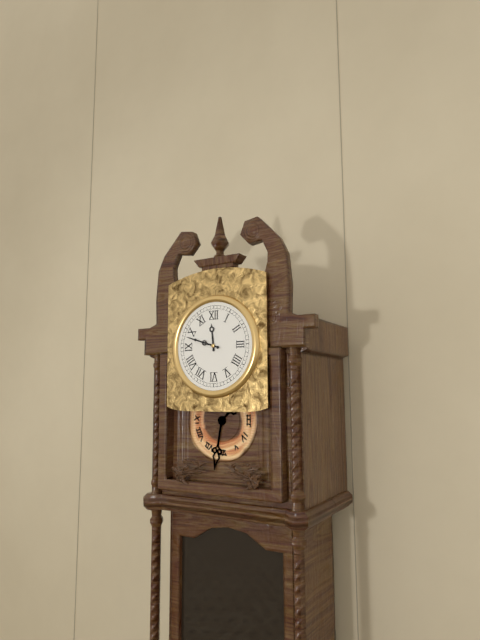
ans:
**11:48**
